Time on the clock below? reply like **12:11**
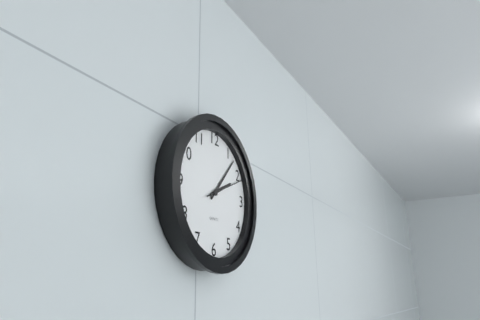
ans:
**2:07**
